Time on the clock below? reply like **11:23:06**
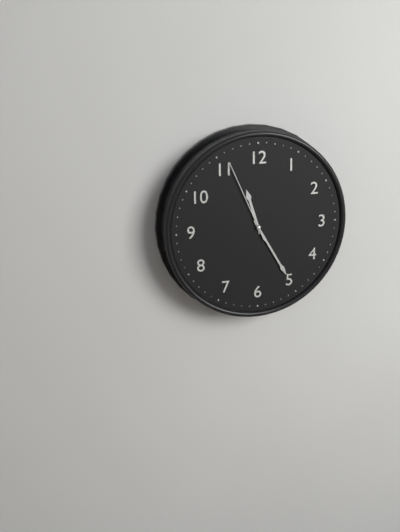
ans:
**11:25:56**
